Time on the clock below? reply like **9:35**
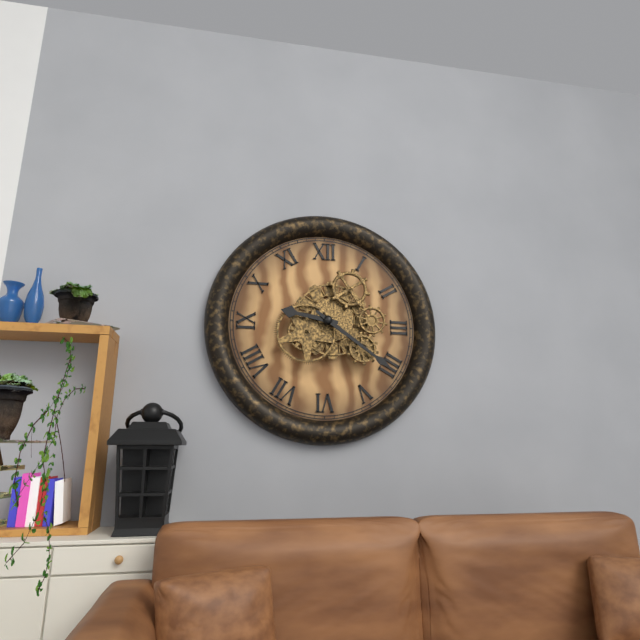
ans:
**9:21**
